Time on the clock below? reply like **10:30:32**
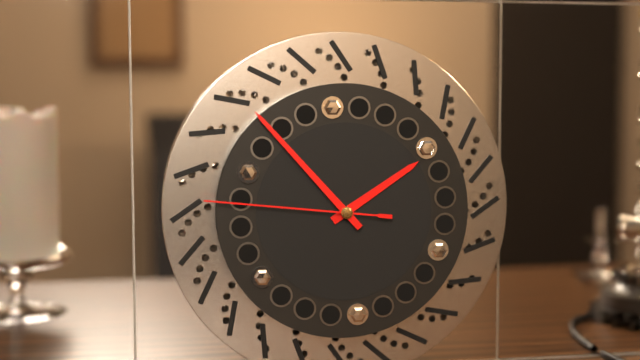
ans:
**1:53:46**
